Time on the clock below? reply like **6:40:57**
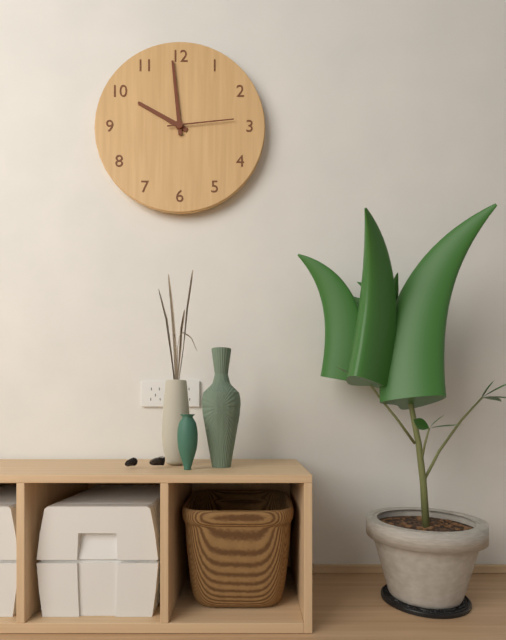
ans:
**9:59:14**
